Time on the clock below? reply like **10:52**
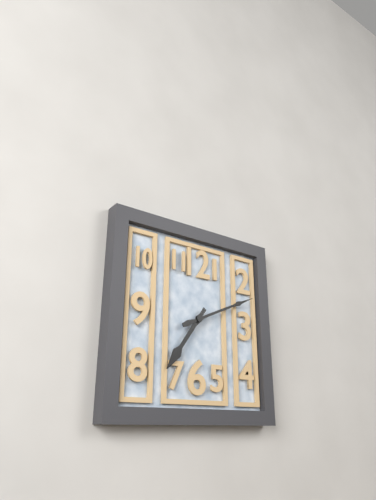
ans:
**7:11**
